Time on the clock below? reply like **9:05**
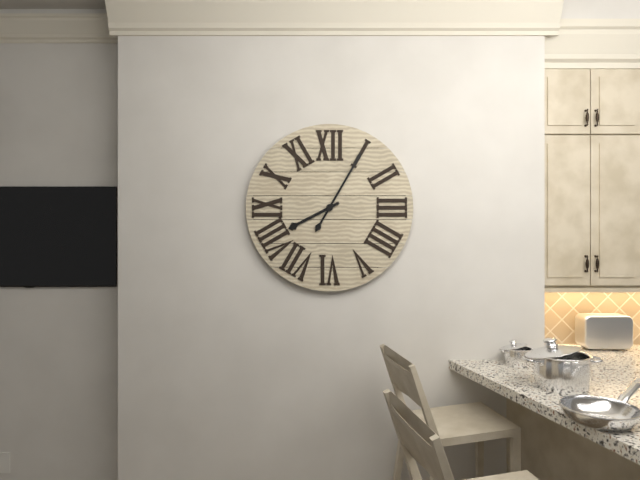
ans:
**8:05**
